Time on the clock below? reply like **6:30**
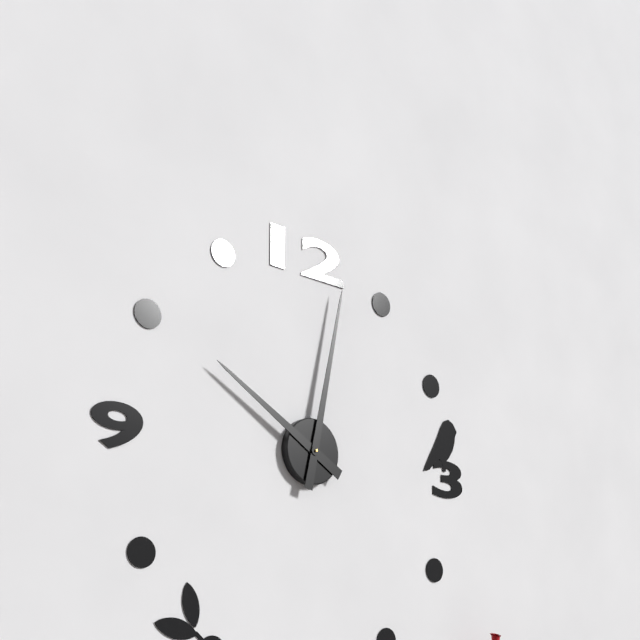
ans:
**10:02**
